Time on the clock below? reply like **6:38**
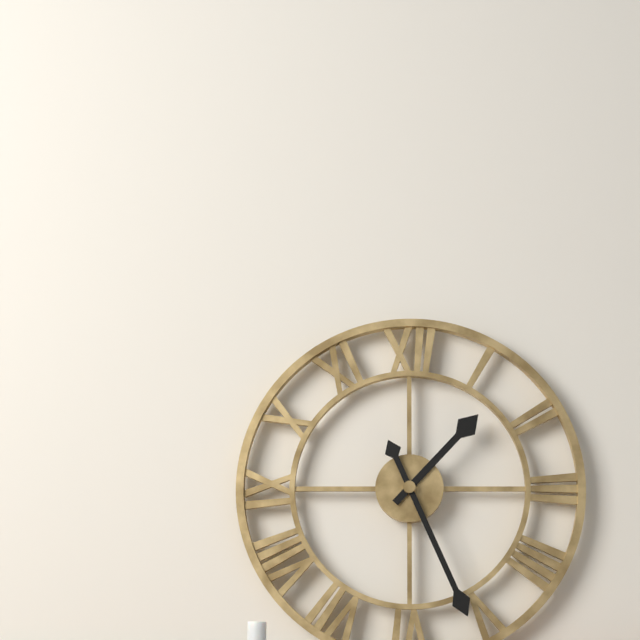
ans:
**1:26**
